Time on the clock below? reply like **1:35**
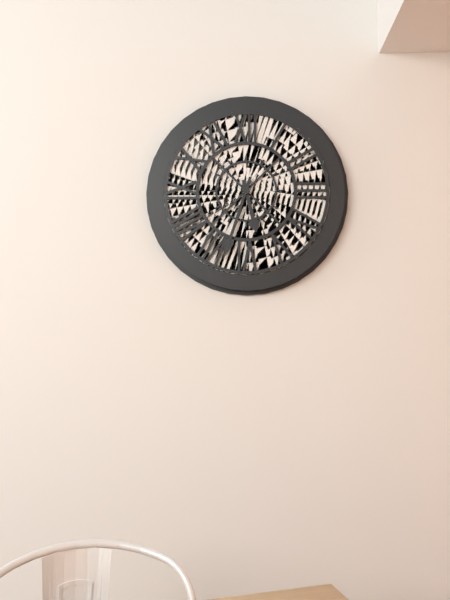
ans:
**5:33**
